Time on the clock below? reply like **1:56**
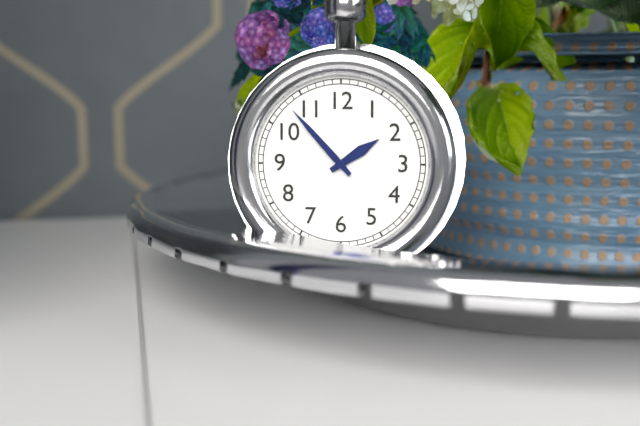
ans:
**1:53**
